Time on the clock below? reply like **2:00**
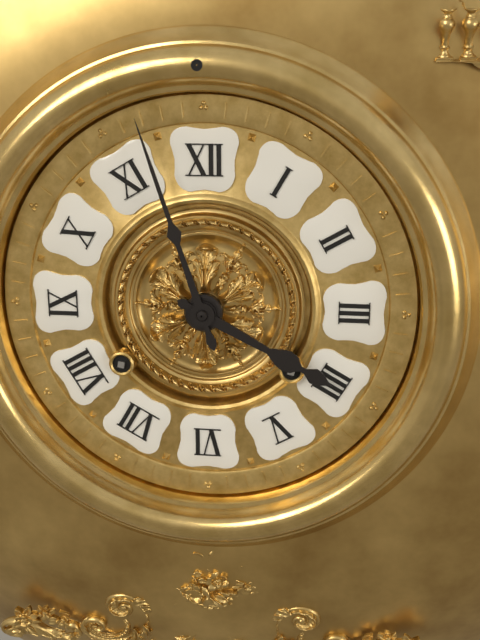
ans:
**3:57**
